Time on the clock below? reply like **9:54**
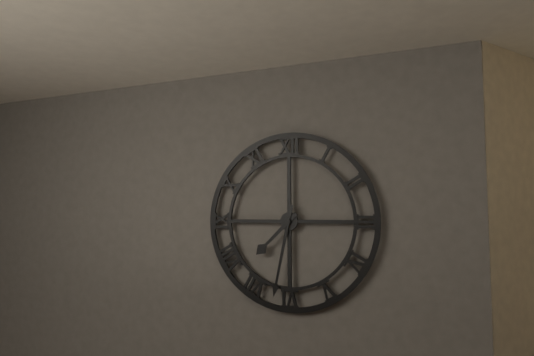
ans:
**7:32**
